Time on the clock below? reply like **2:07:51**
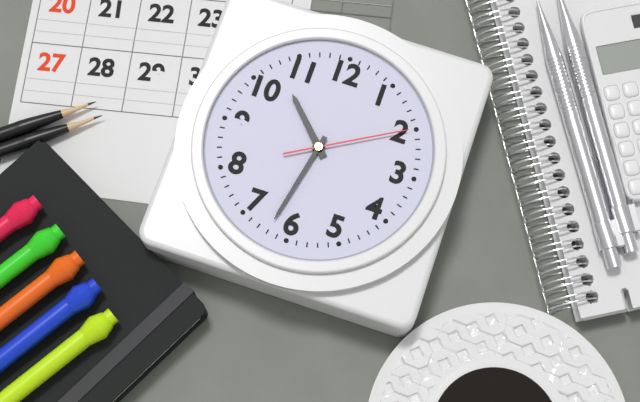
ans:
**10:32:10**
